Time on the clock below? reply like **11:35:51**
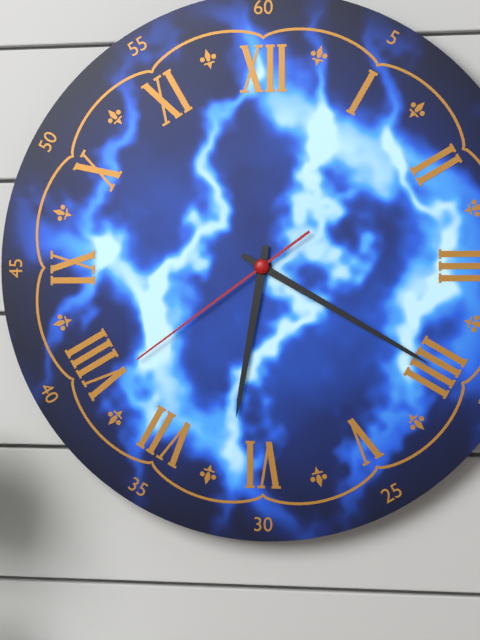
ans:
**6:20:39**
